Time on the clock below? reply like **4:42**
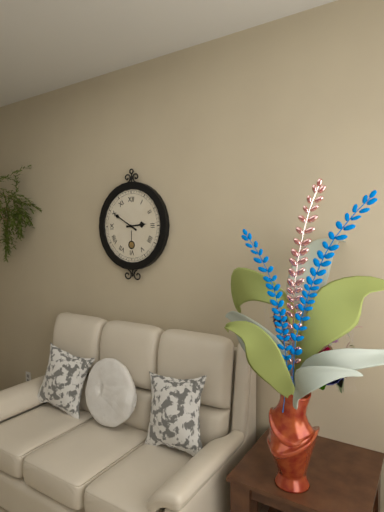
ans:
**2:50**
